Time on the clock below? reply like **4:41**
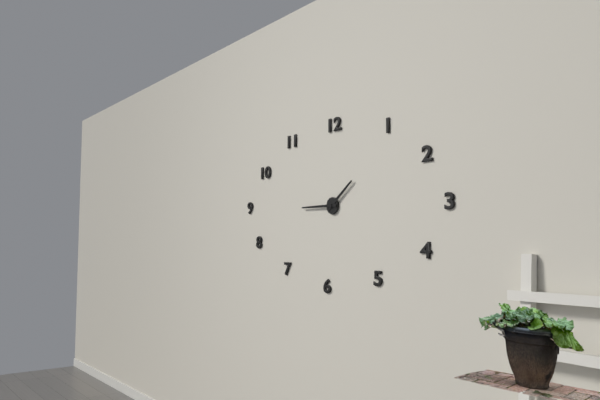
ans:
**1:45**
